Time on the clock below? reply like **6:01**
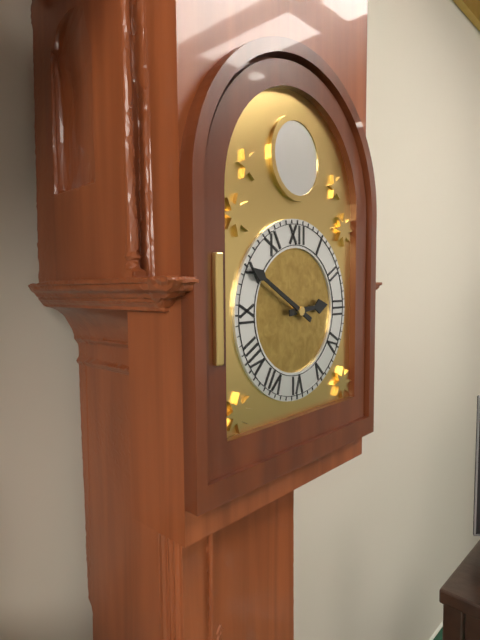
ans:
**2:50**
